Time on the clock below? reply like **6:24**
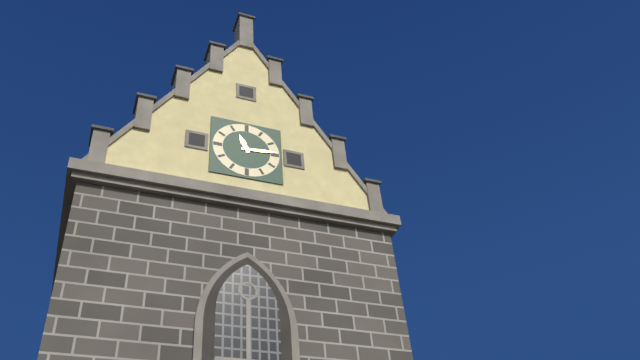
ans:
**11:14**
